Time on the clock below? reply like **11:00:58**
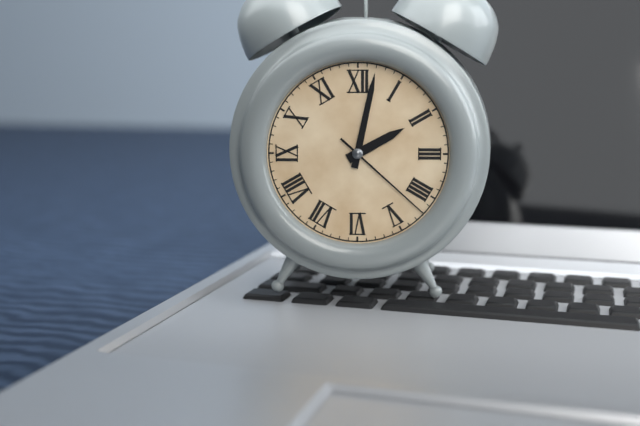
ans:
**2:02:22**
